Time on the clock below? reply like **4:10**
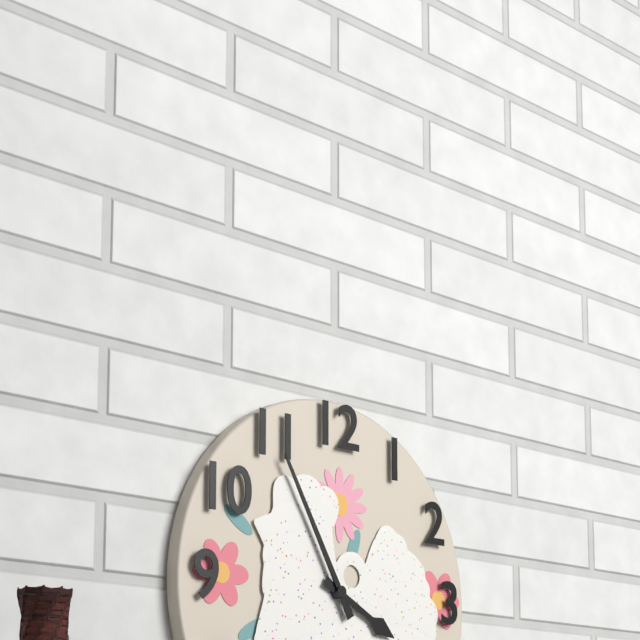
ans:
**3:55**
